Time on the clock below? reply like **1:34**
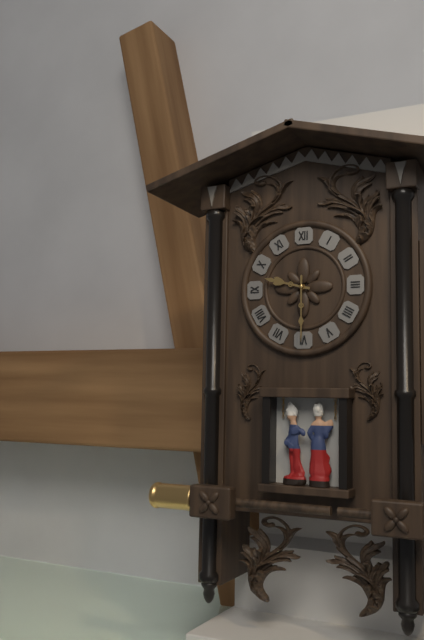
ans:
**9:30**
